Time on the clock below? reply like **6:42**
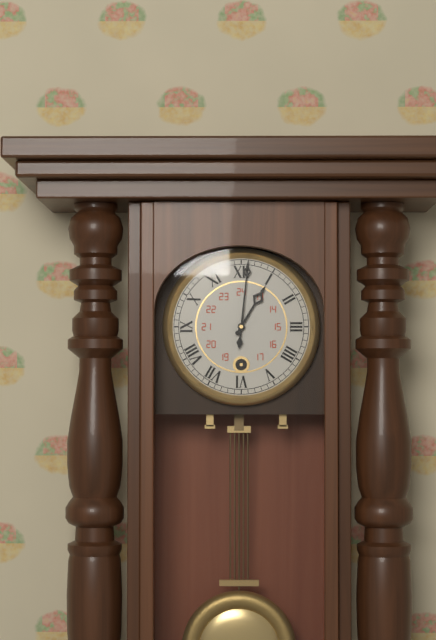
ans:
**1:01**
